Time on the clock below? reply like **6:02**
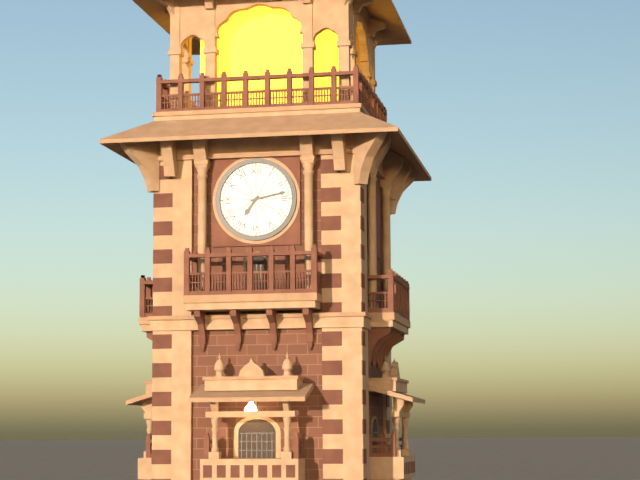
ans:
**7:13**
